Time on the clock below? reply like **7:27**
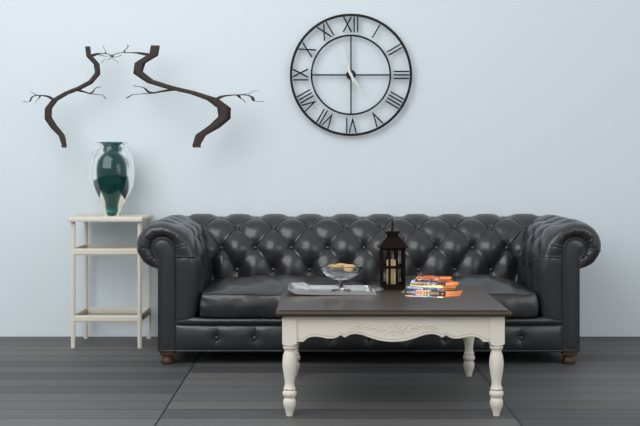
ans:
**4:57**
